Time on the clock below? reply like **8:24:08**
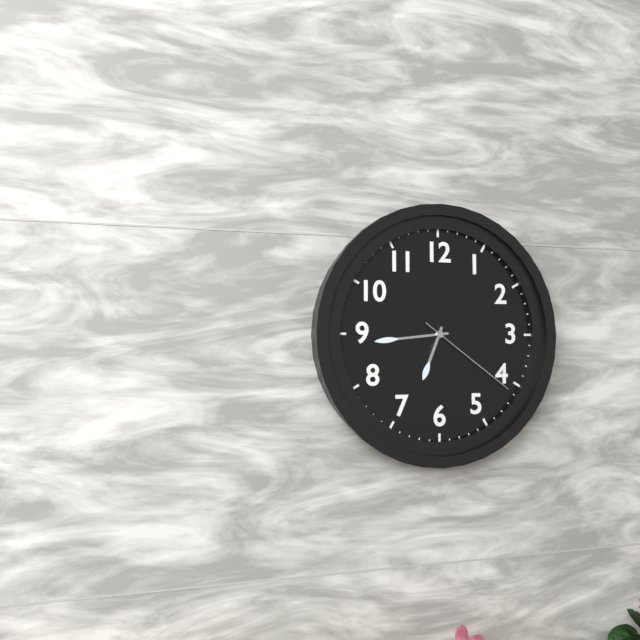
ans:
**6:44:21**
